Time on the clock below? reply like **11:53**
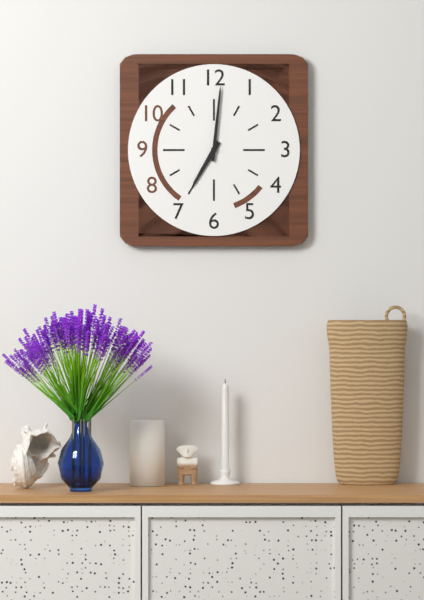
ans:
**7:01**
